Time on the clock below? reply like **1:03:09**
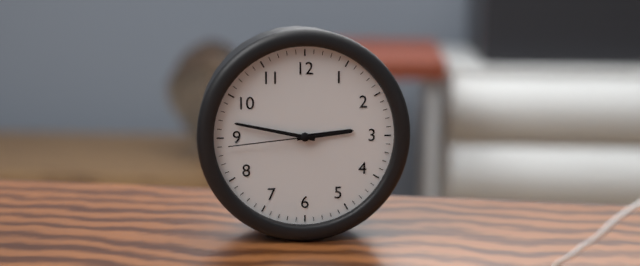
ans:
**2:47:44**
